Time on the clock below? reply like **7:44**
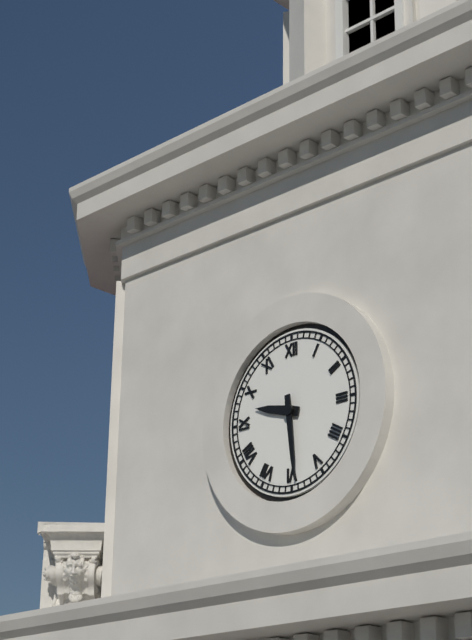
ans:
**9:29**
